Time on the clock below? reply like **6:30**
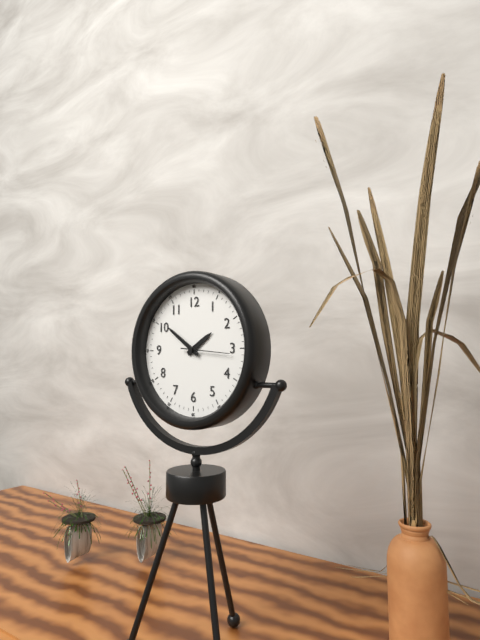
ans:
**1:51**
